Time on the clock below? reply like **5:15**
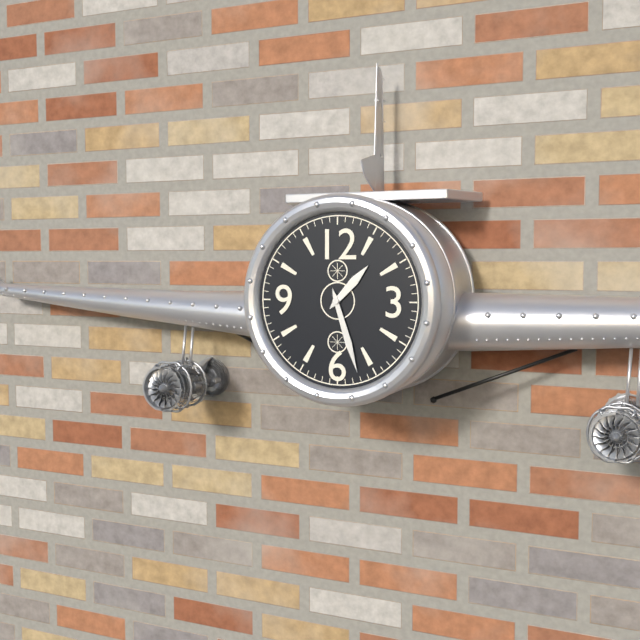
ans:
**1:27**
